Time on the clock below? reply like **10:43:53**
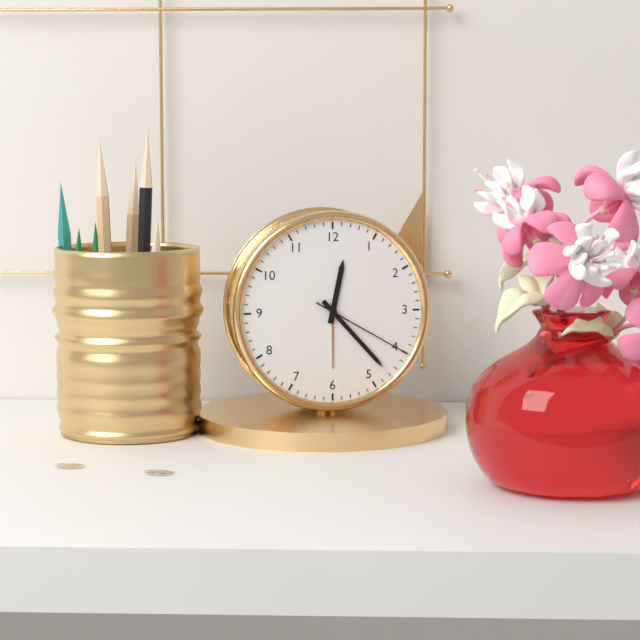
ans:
**12:23:20**
